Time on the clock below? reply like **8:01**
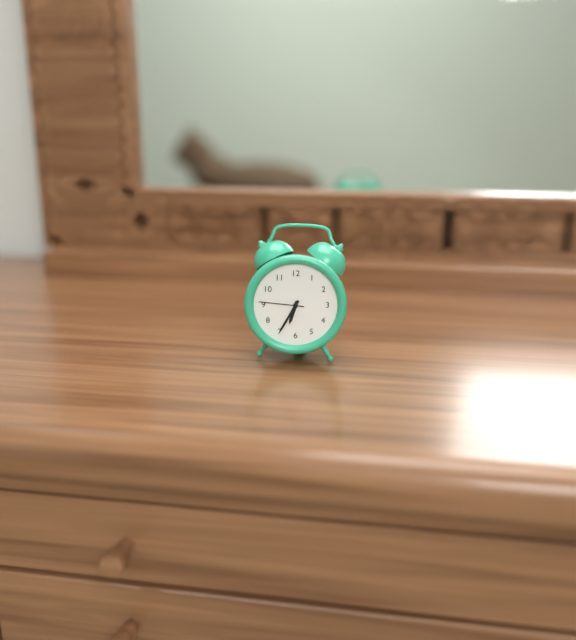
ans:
**6:35**
